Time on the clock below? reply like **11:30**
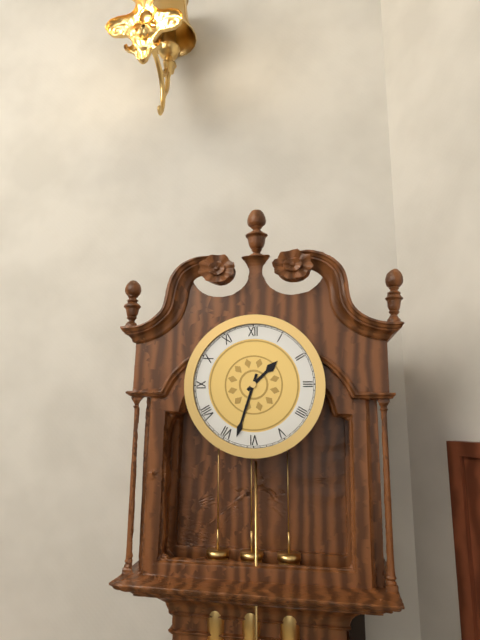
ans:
**1:33**
